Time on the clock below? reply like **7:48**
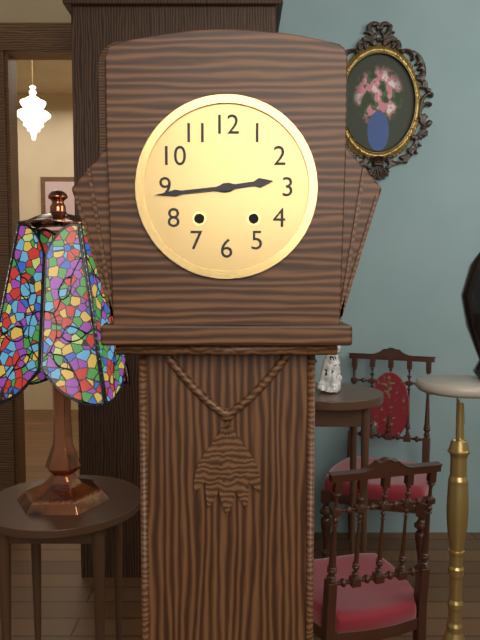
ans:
**2:44**
